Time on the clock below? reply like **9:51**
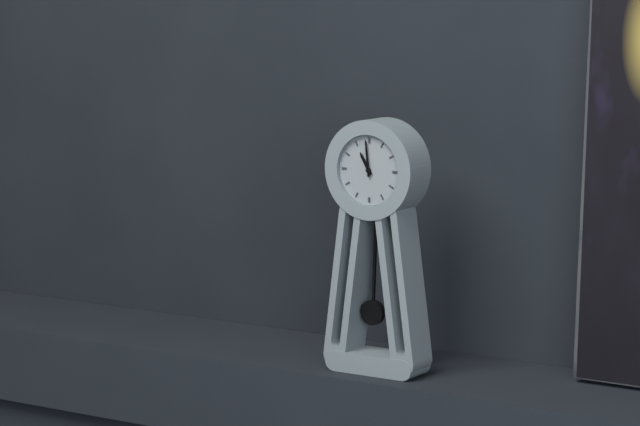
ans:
**10:59**
